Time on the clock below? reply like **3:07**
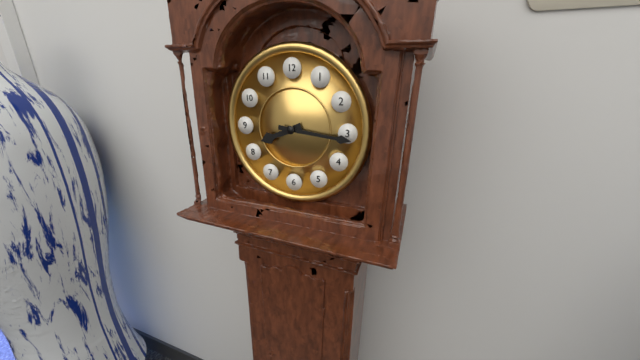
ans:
**8:16**
